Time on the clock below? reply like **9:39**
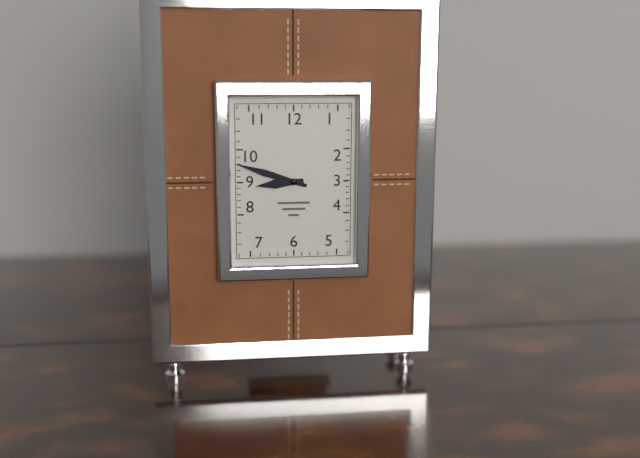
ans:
**8:48**
